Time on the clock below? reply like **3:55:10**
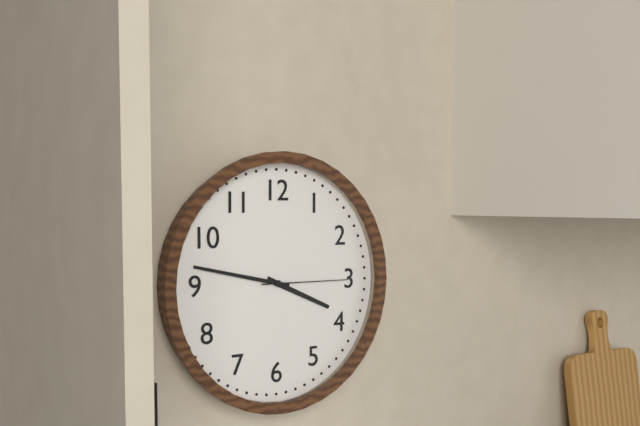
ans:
**3:47:15**
